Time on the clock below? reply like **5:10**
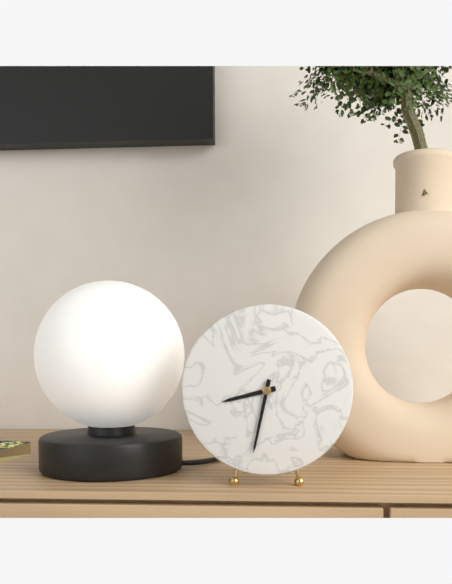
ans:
**8:32**
